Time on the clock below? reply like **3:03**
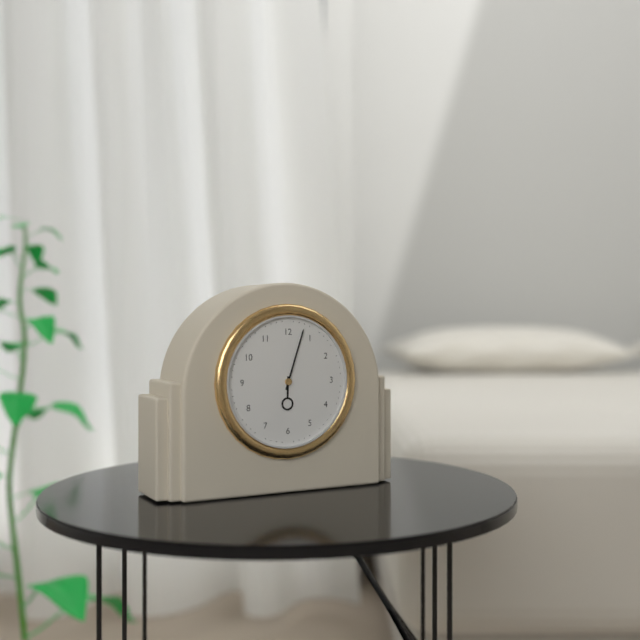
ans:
**6:03**
